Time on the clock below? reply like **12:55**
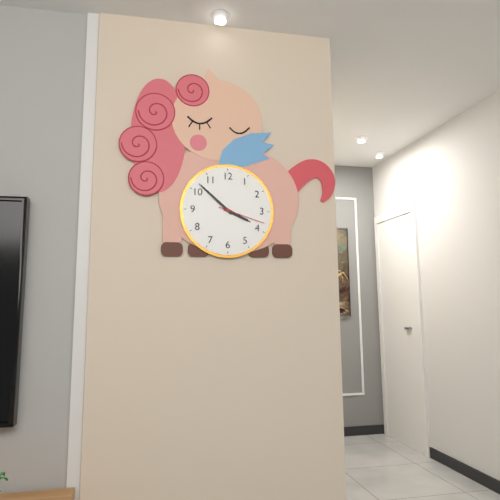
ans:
**3:52**
